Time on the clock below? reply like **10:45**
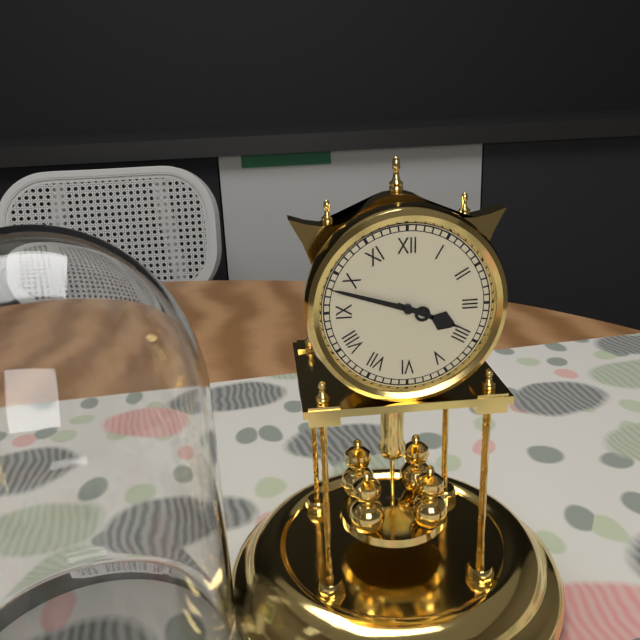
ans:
**3:48**
